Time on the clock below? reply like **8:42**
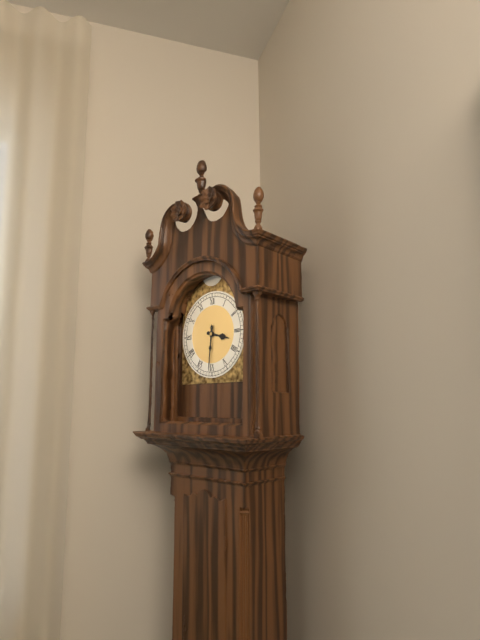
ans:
**3:31**
